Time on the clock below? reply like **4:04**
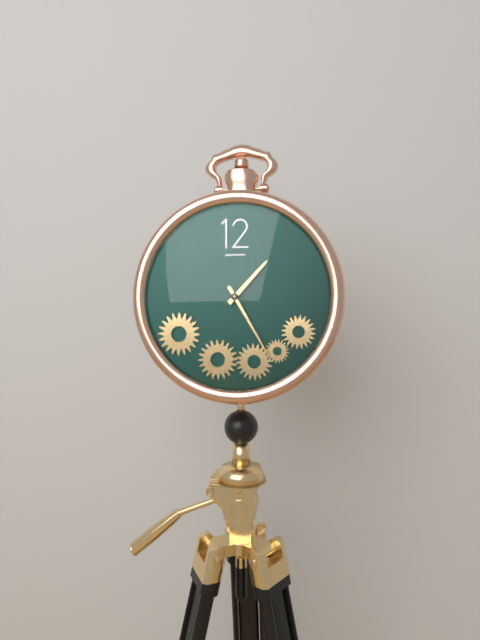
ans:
**1:25**
